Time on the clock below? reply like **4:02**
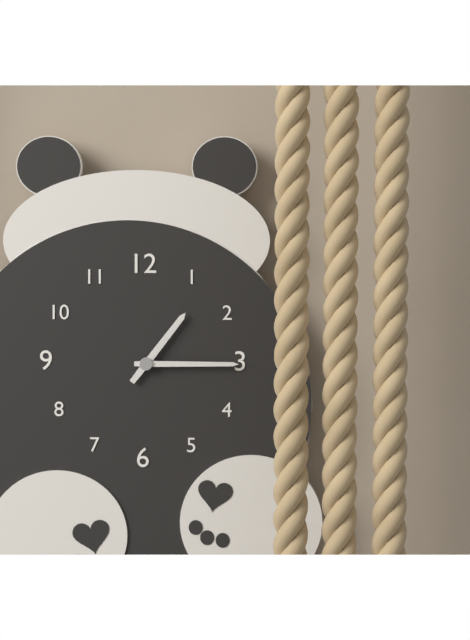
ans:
**1:15**
